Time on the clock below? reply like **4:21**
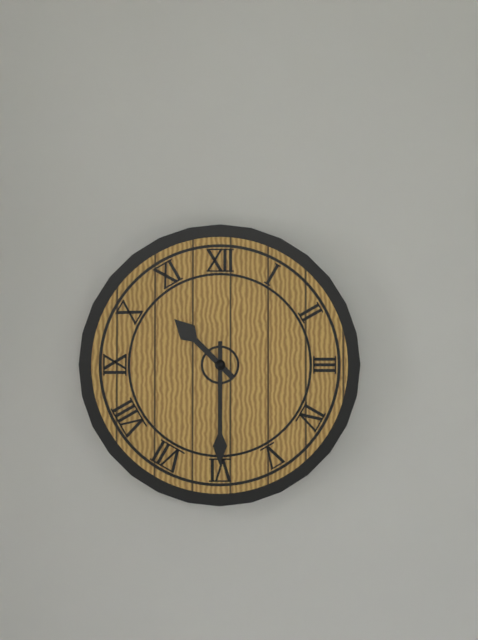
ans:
**10:30**
